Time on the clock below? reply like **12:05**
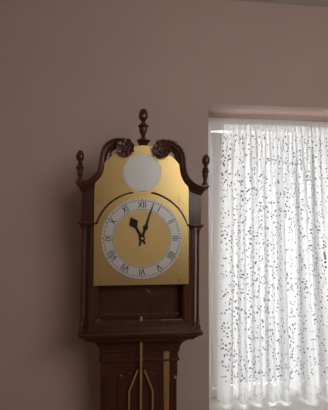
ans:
**11:03**
